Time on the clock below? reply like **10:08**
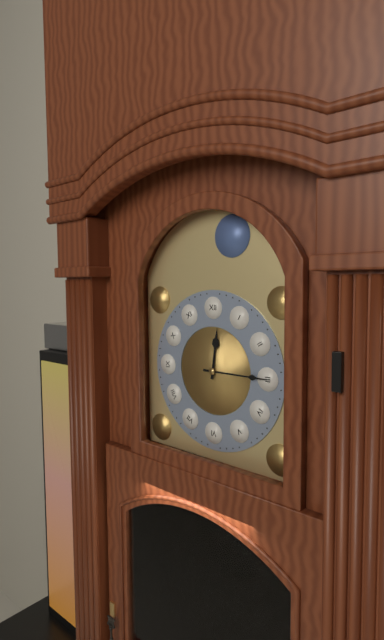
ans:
**12:15**
